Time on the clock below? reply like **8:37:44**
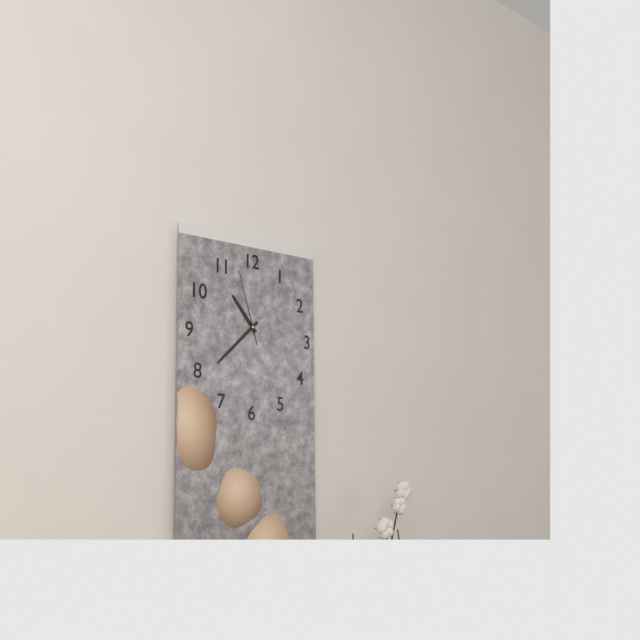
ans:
**10:38:57**
